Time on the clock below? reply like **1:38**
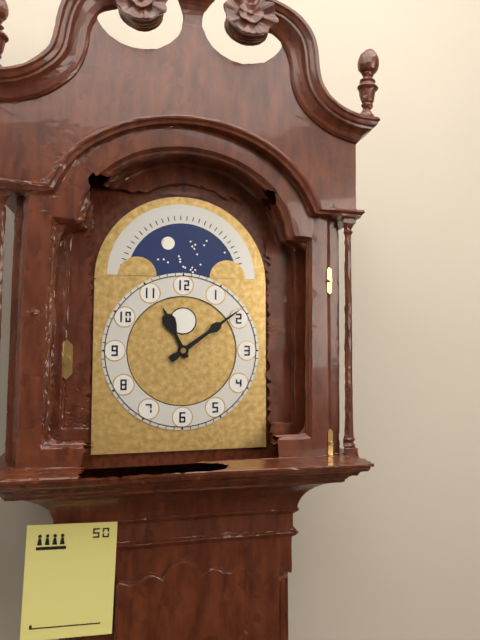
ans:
**11:09**
